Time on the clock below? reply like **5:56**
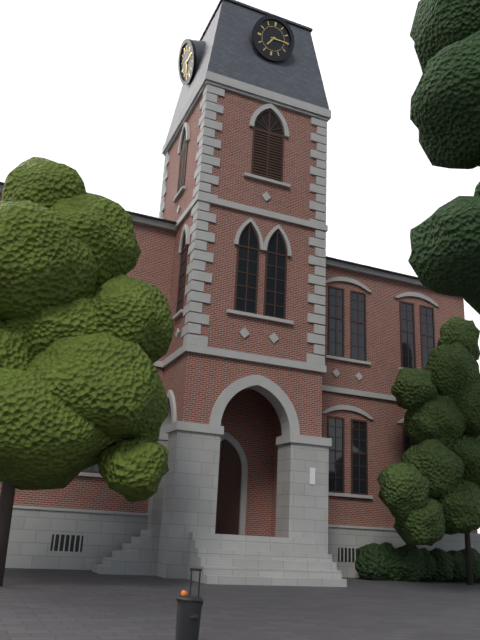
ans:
**7:15**
